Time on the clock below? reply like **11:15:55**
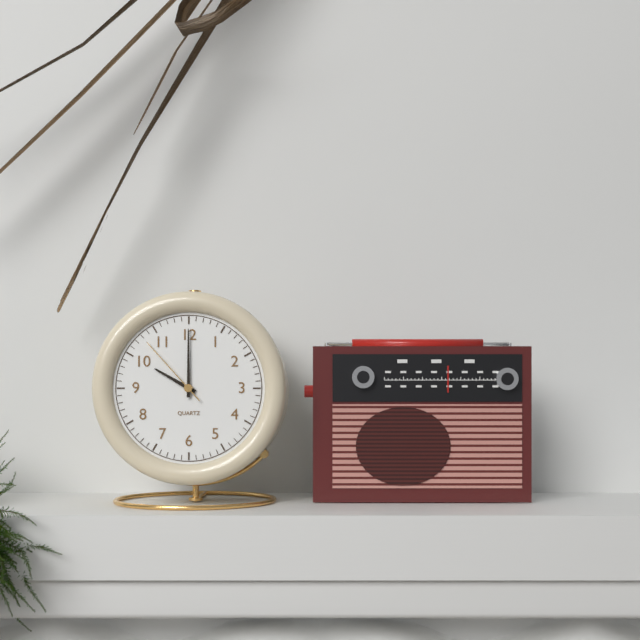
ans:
**10:00:53**
